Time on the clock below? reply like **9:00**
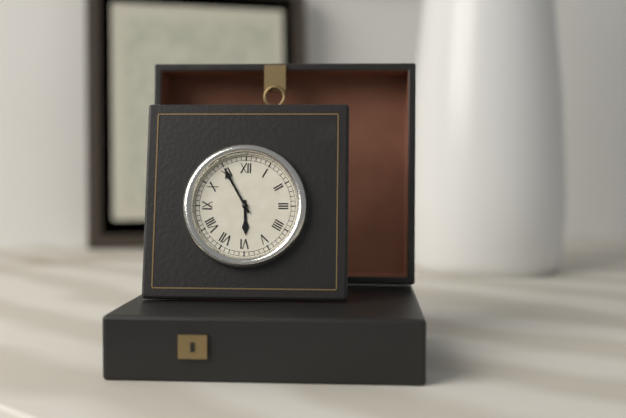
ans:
**5:55**
